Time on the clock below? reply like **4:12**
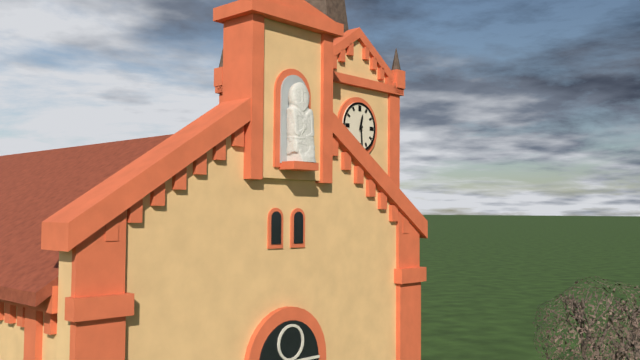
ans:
**12:29**
